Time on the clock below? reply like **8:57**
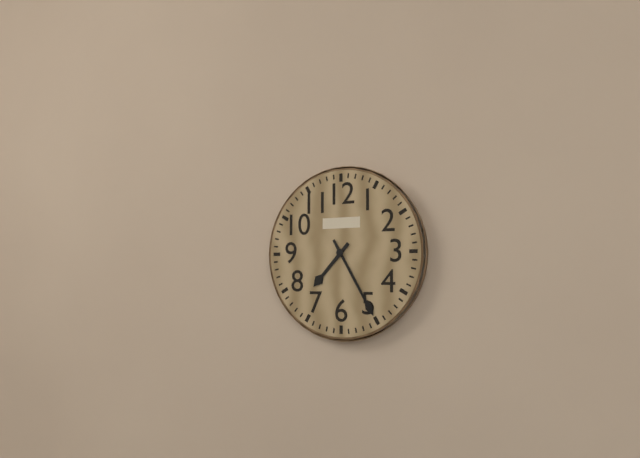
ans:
**7:25**
